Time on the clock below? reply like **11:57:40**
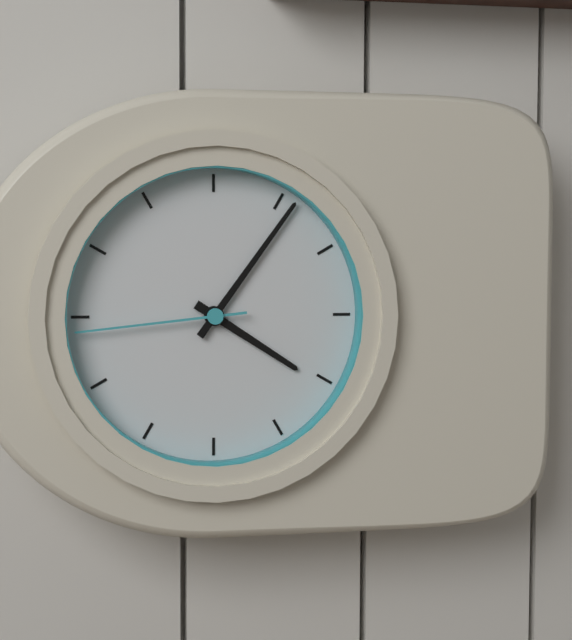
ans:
**4:06:44**
